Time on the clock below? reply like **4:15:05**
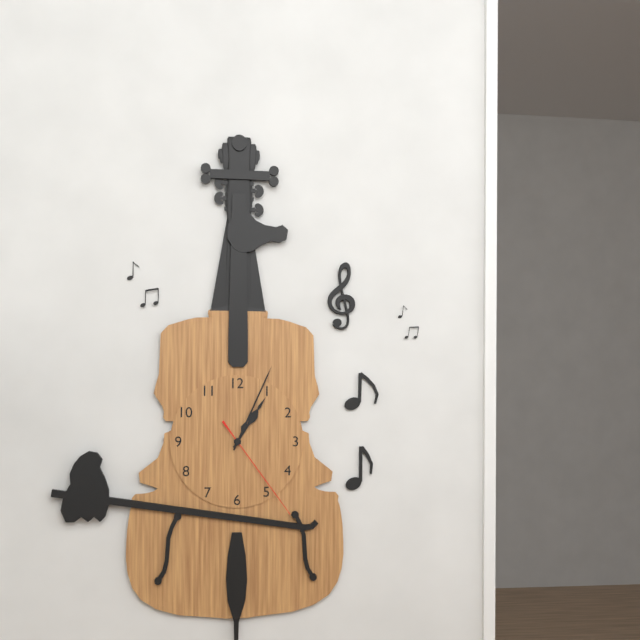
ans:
**1:04:24**
